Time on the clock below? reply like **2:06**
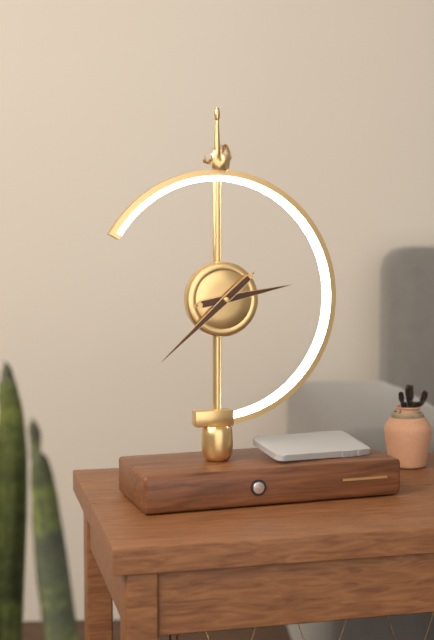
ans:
**2:38**
